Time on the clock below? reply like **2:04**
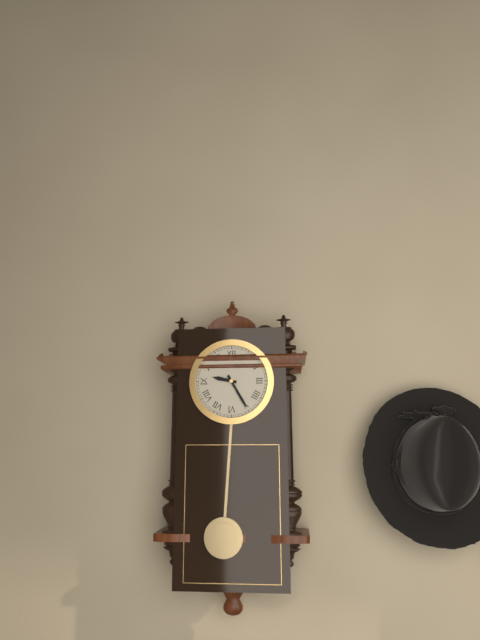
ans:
**9:25**
